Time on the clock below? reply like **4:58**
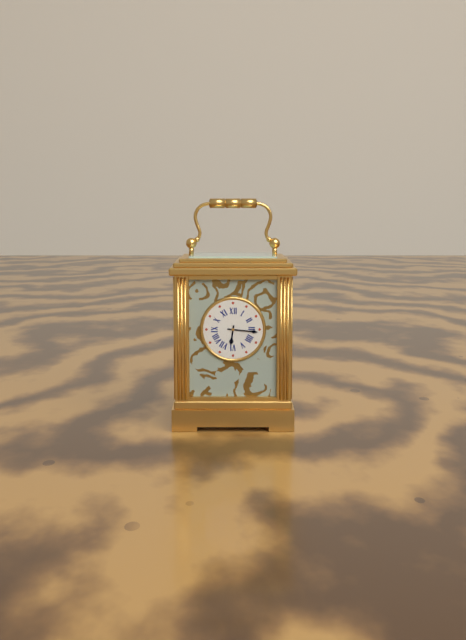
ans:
**6:16**
